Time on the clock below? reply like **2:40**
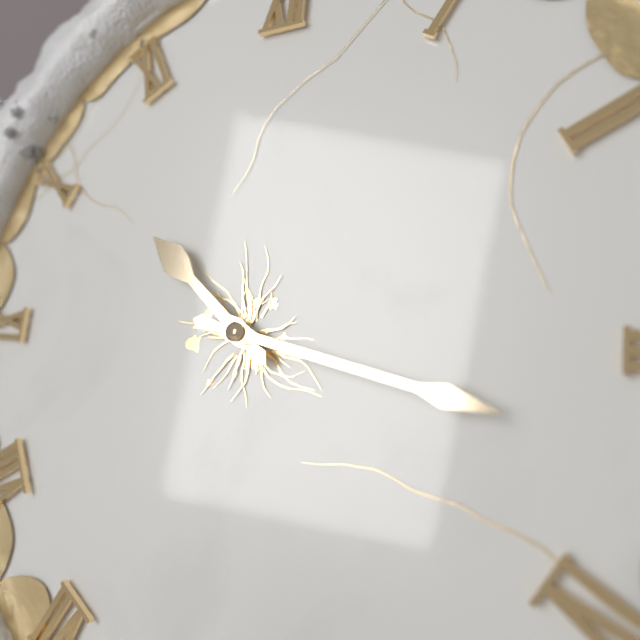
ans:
**10:17**
